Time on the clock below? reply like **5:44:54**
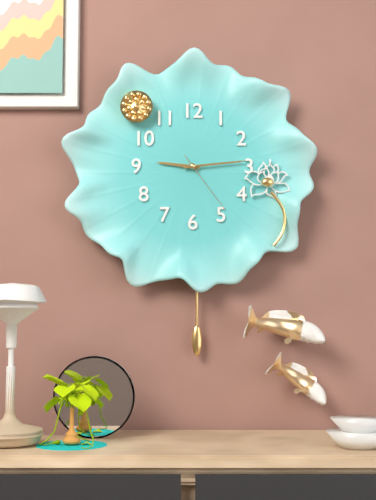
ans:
**9:14:24**
